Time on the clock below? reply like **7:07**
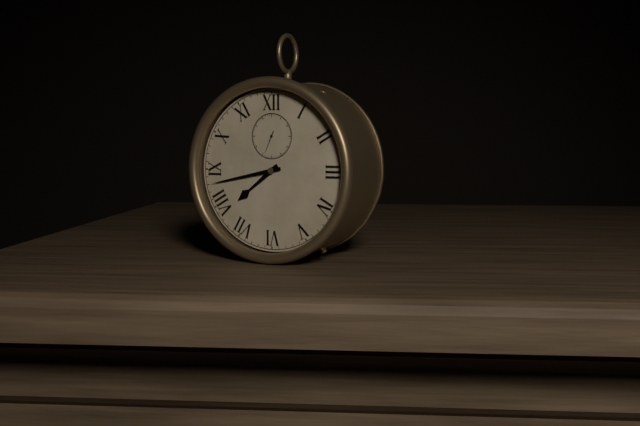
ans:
**7:43**
